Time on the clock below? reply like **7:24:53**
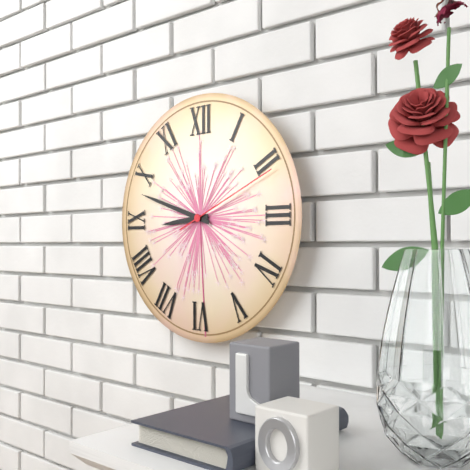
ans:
**8:48:11**
